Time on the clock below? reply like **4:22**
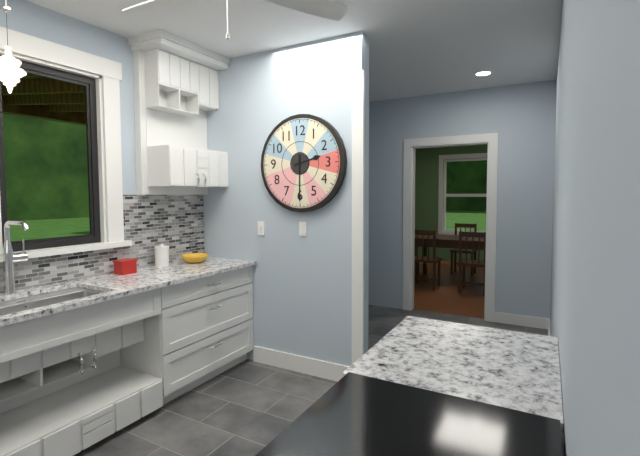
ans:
**2:30**
